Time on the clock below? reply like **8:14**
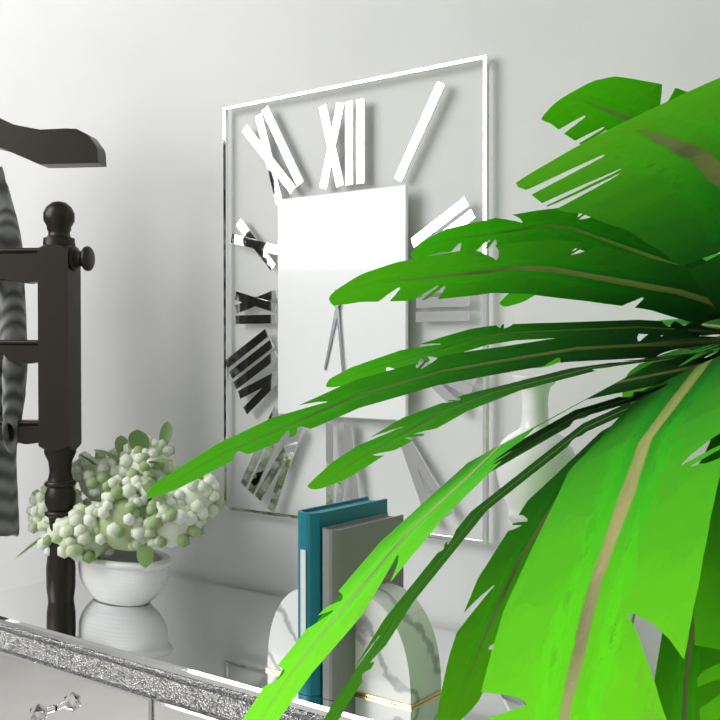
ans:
**6:29**
